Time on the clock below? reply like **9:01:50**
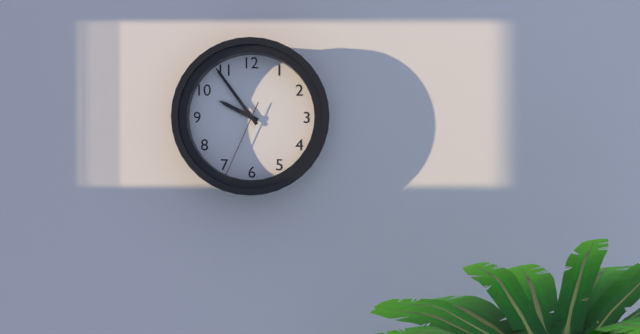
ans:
**9:54:34**
